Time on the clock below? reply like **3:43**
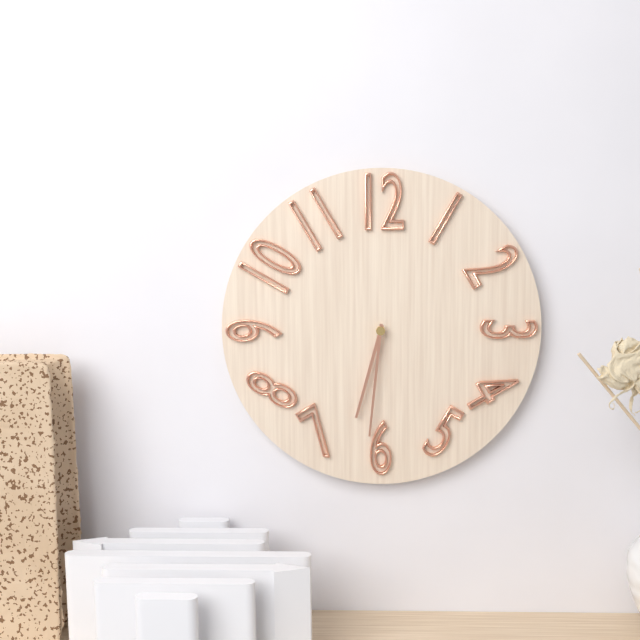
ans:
**6:31**
